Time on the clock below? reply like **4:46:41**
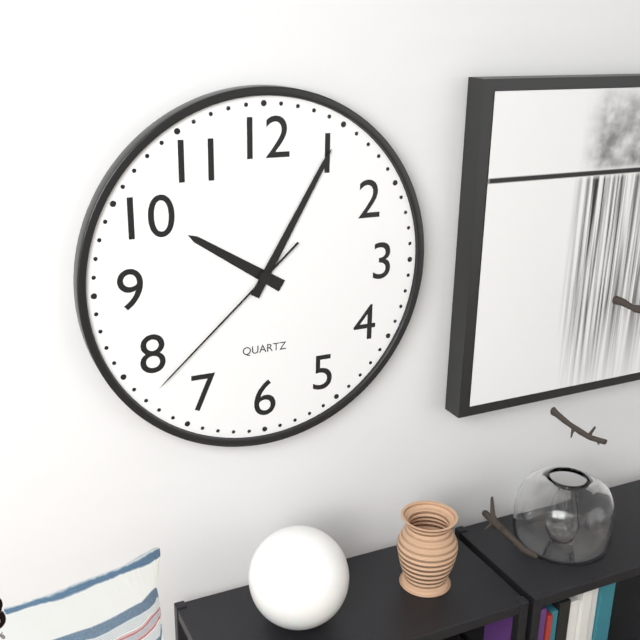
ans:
**10:05:38**
